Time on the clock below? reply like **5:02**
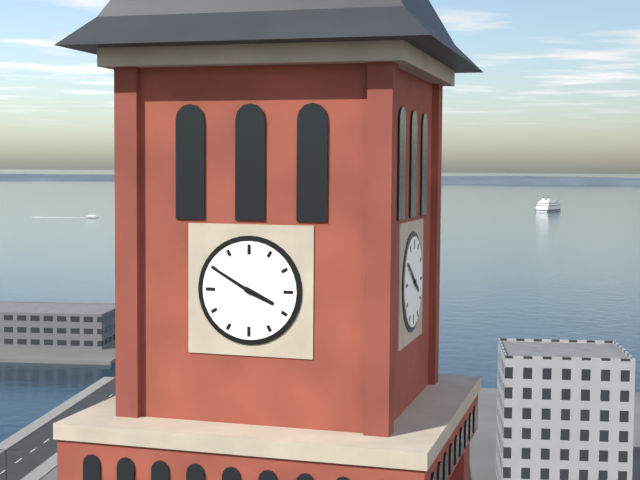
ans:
**3:50**
